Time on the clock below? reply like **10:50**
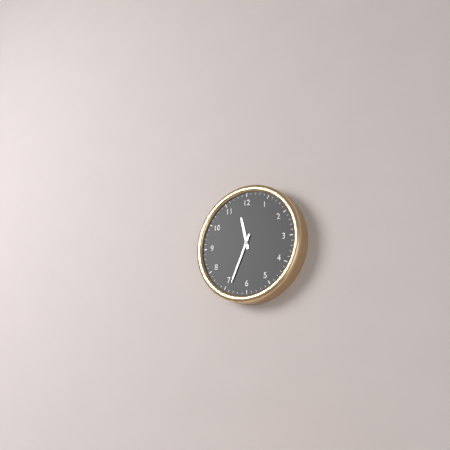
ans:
**11:34**
